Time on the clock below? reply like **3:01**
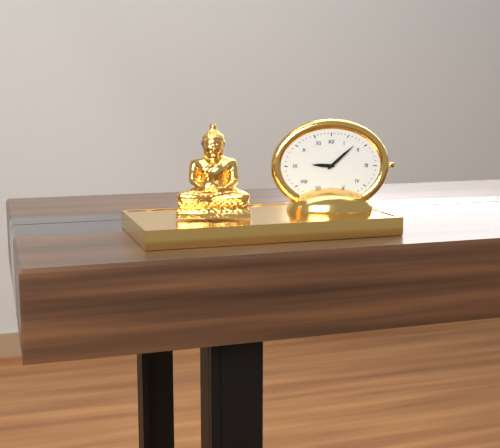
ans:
**9:08**
